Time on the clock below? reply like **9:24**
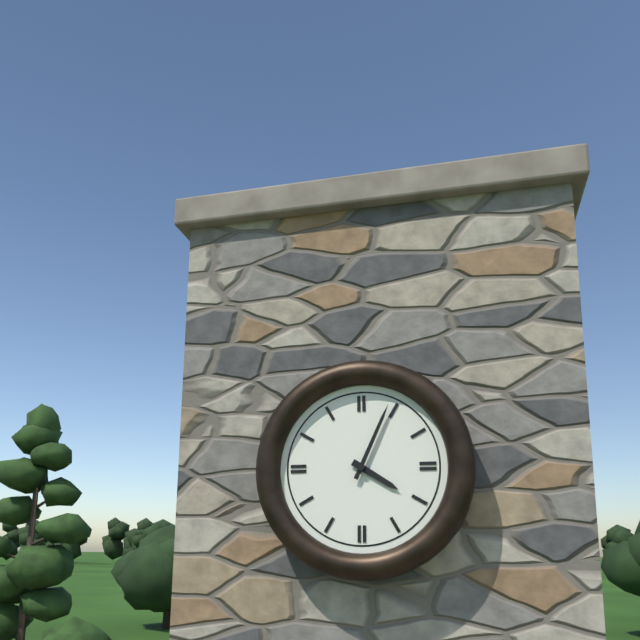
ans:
**4:04**
